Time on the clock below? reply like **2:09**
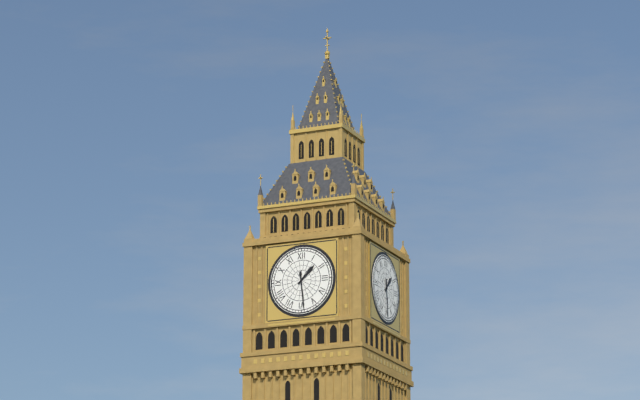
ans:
**1:29**
